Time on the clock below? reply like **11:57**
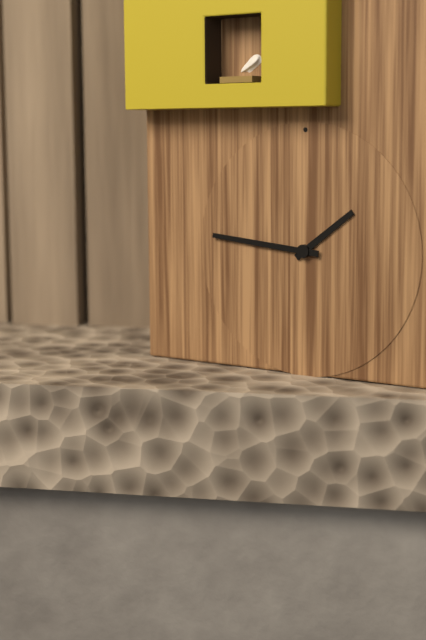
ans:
**1:46**
